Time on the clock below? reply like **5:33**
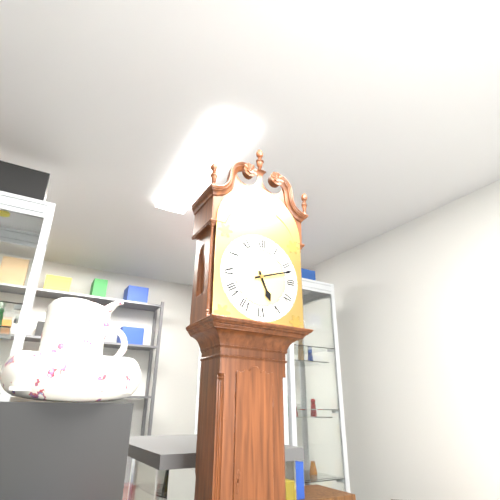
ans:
**5:12**
